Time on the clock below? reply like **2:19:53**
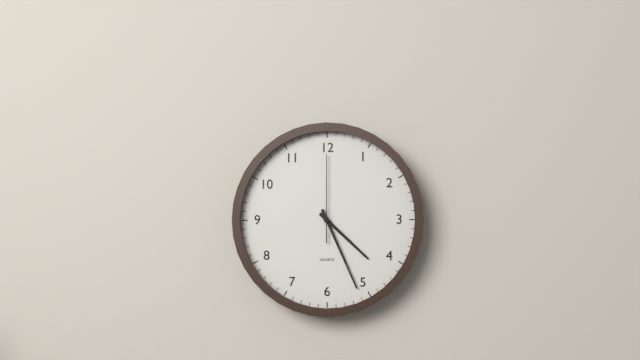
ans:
**4:26:00**
